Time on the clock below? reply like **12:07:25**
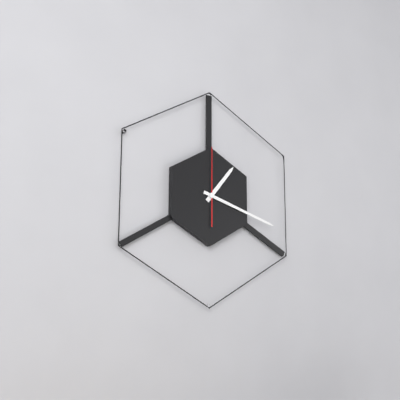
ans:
**1:18:00**
